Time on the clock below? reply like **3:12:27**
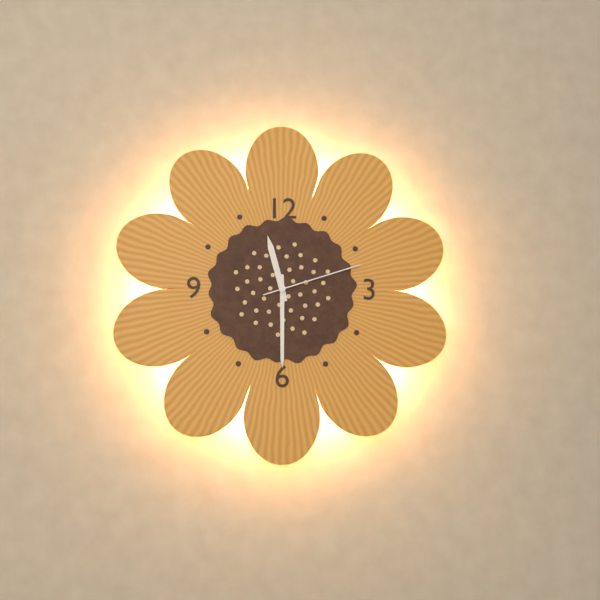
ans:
**11:30:12**
